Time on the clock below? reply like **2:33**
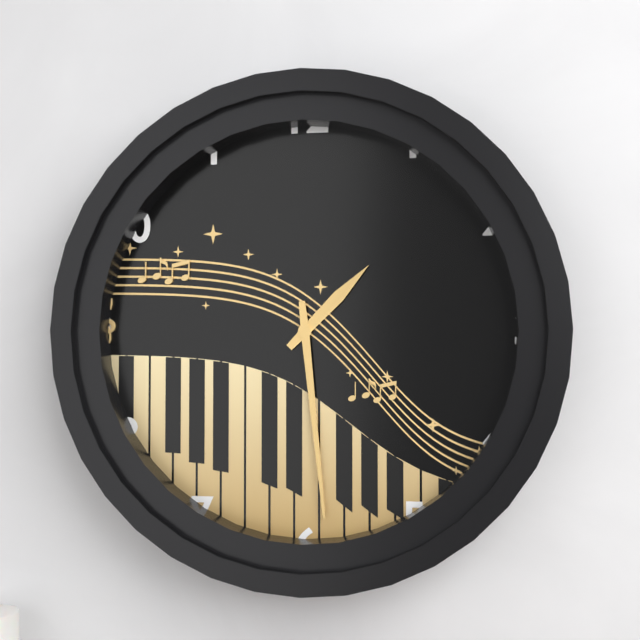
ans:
**1:29**
